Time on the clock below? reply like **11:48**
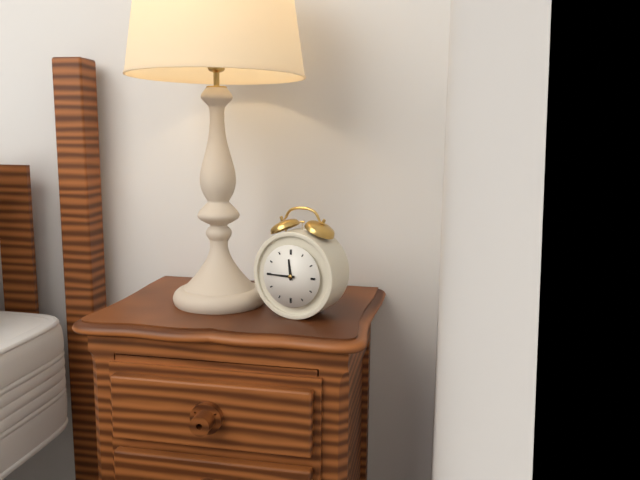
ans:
**11:45**
